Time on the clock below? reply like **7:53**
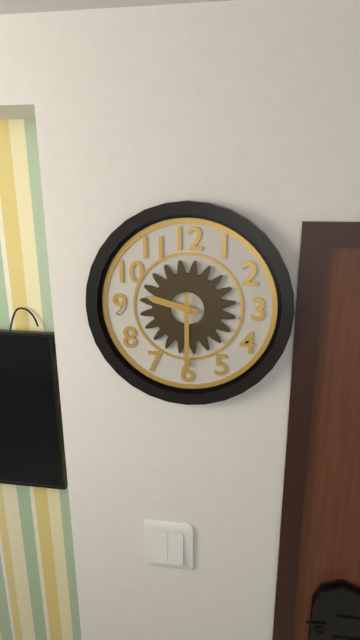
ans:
**9:30**
